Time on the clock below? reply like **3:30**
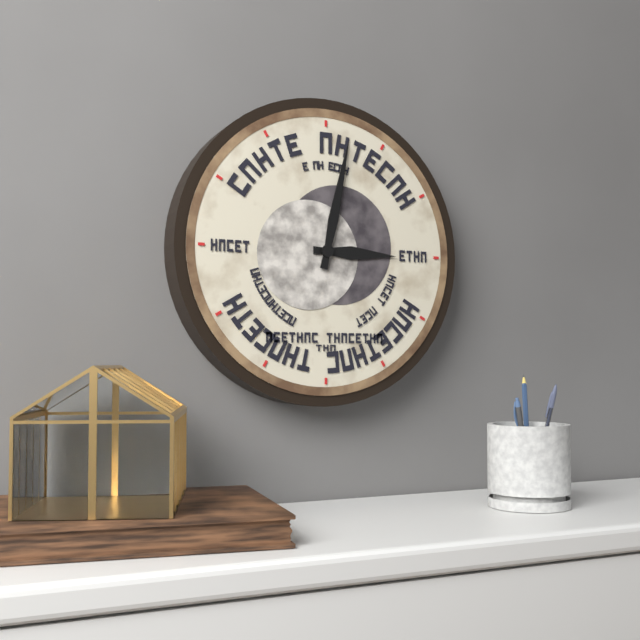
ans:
**3:02**
